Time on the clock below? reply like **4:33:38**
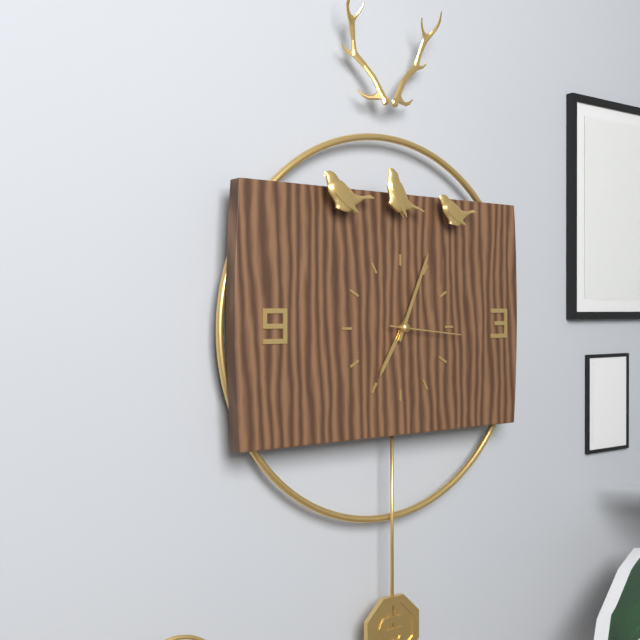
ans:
**7:04:16**
